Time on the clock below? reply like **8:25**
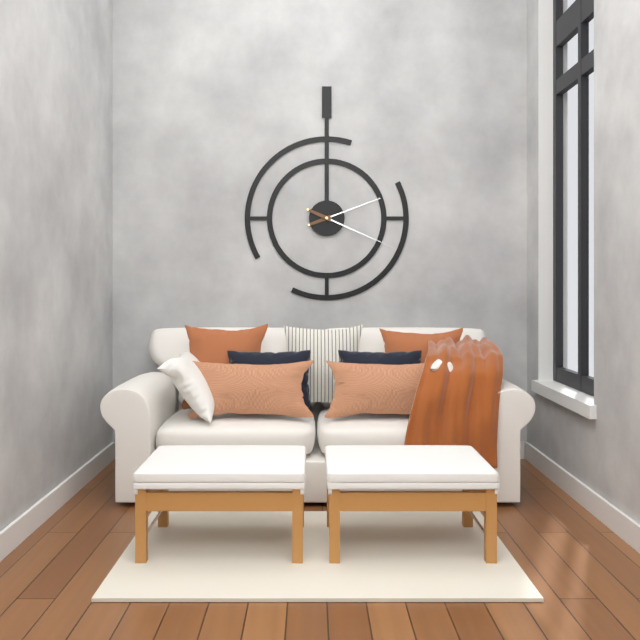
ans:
**2:19**
